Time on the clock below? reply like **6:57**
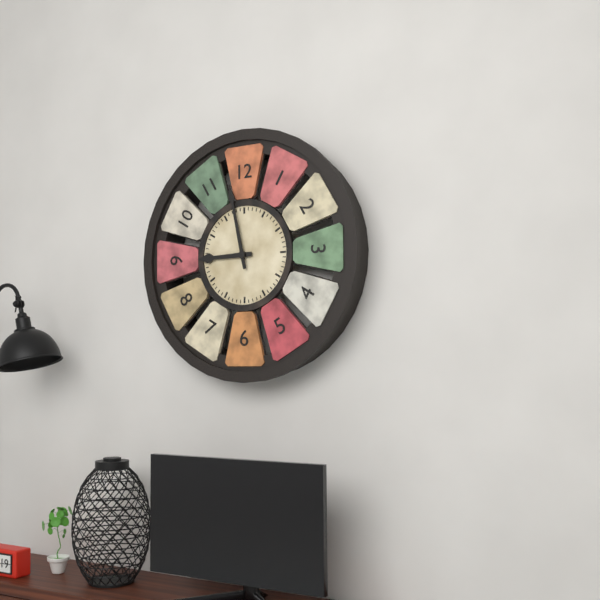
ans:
**8:58**
